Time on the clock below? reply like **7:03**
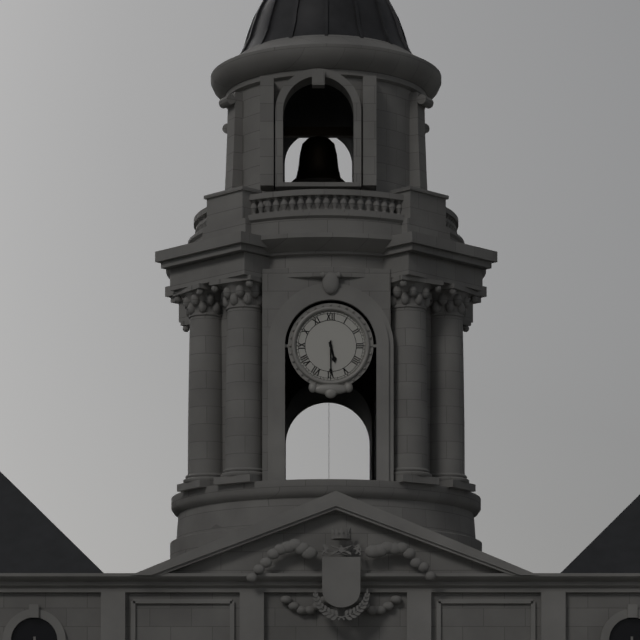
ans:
**5:30**
